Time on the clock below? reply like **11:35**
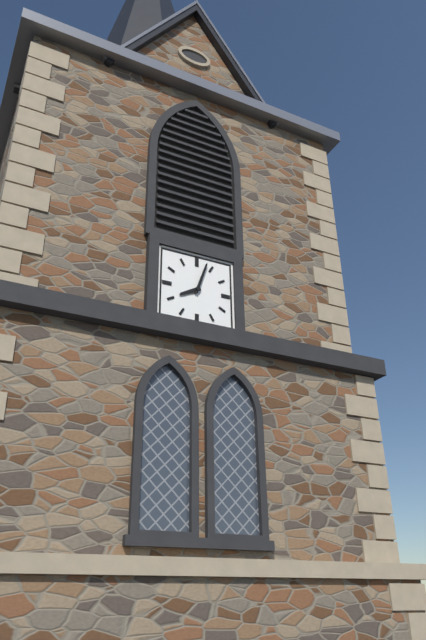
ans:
**8:03**
